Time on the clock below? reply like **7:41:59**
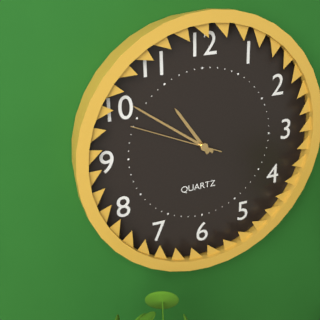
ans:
**10:51:49**
